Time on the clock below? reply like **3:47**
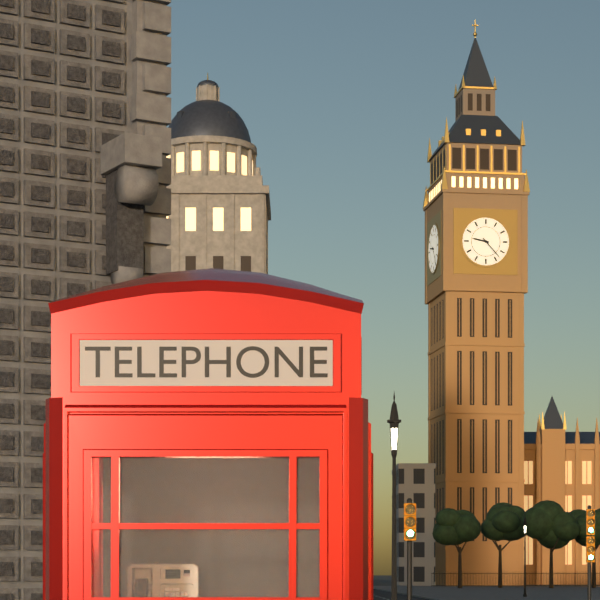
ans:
**9:23**
